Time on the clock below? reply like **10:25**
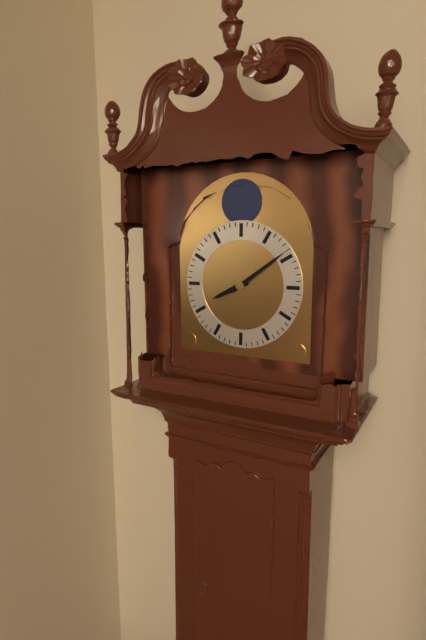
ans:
**8:09**
